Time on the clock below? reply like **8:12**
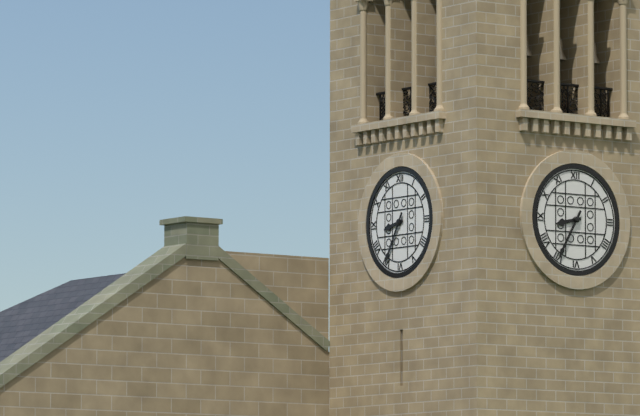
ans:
**8:35**
